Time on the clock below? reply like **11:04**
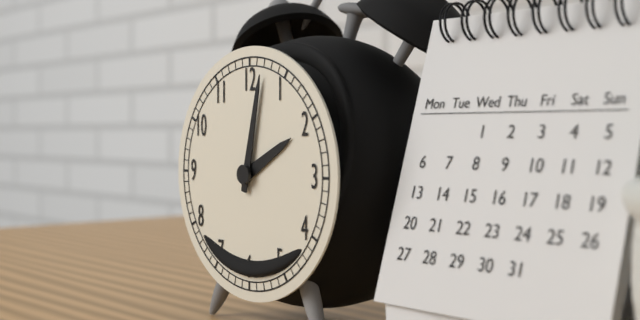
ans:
**2:02**
